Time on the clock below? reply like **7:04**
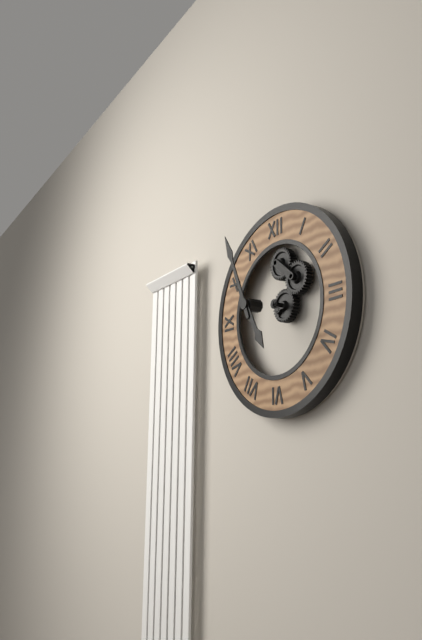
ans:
**4:56**
